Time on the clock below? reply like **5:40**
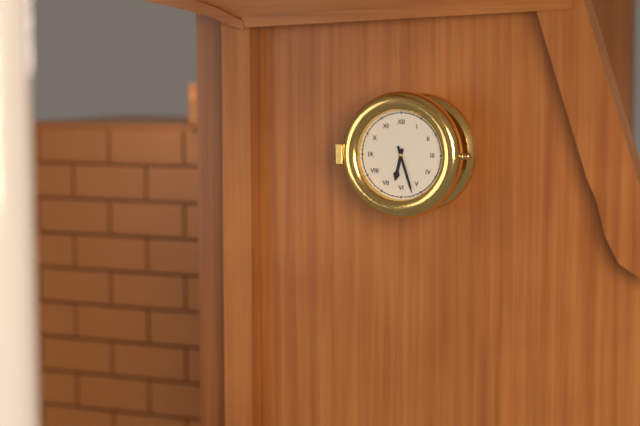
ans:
**6:27**
